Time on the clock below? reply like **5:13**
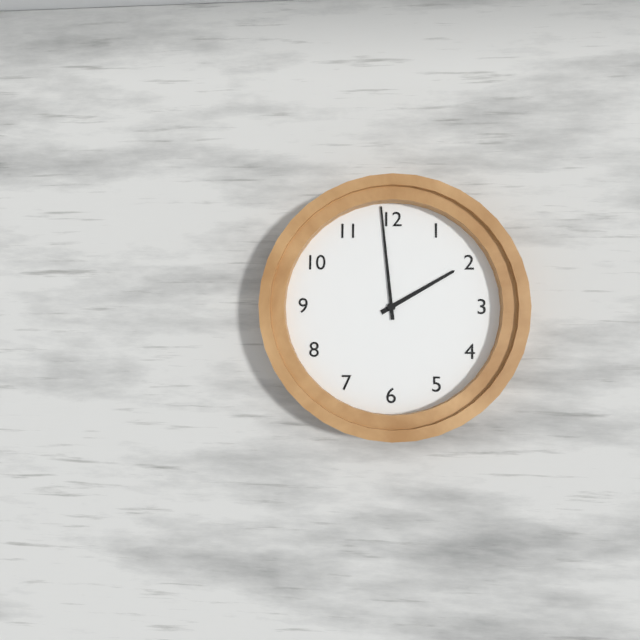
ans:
**1:59**
